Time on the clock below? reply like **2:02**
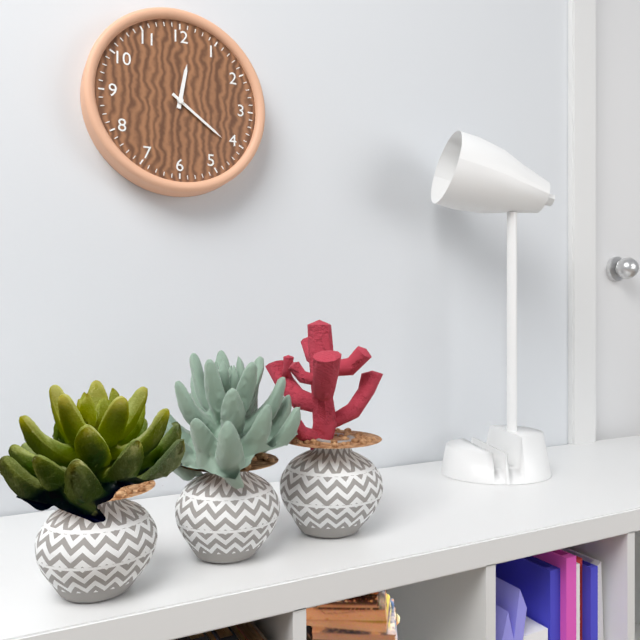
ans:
**12:21**
